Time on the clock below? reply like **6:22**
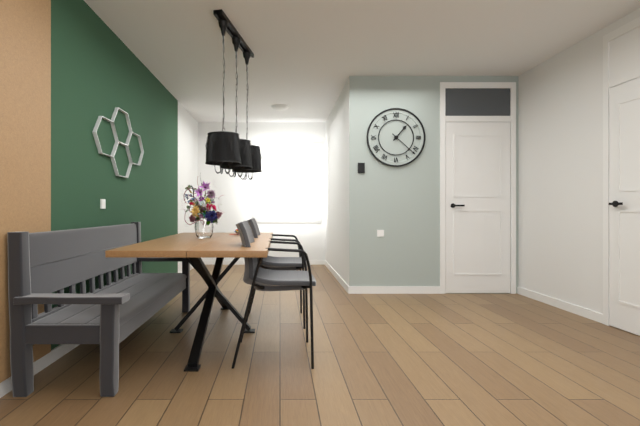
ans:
**1:22**
